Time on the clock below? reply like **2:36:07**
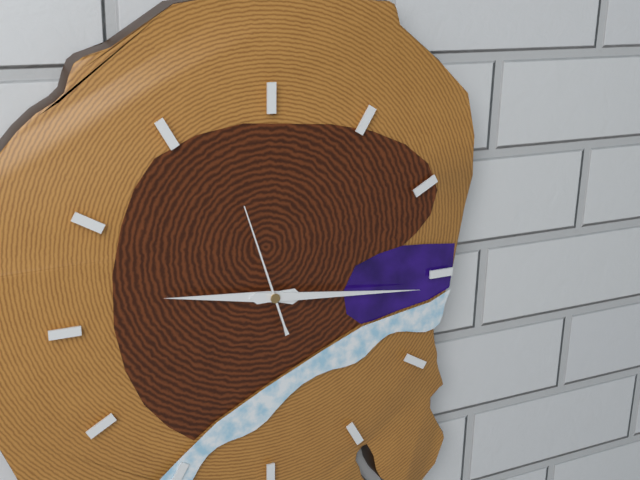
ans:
**9:16:57**
